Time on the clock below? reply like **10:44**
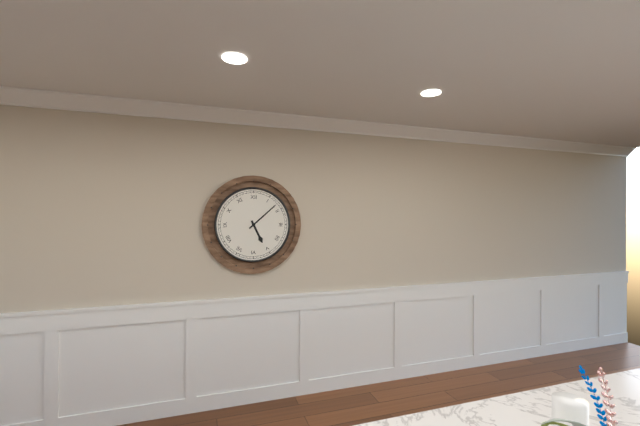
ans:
**5:08**
